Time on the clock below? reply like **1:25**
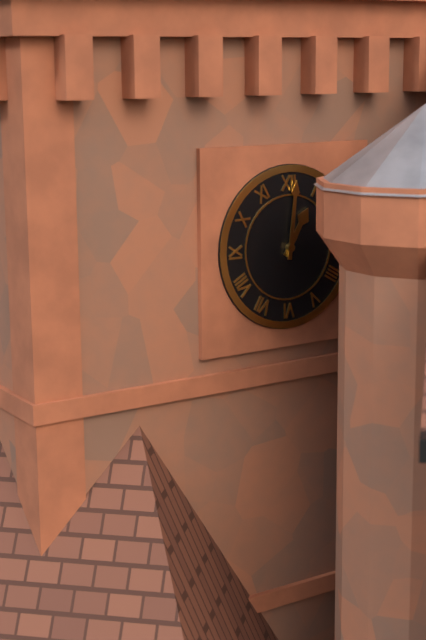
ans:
**1:01**
